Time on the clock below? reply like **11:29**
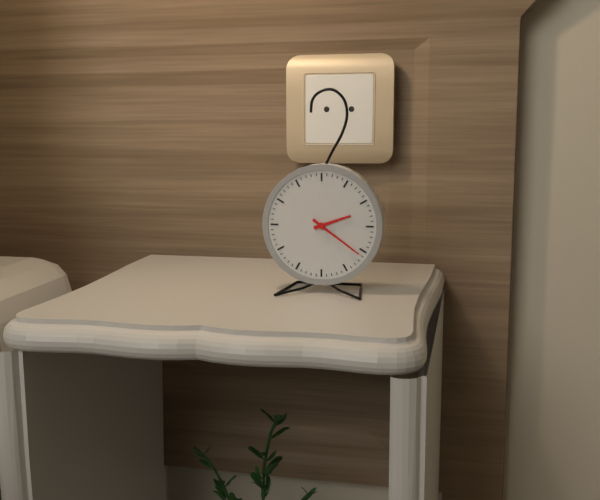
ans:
**2:21**
